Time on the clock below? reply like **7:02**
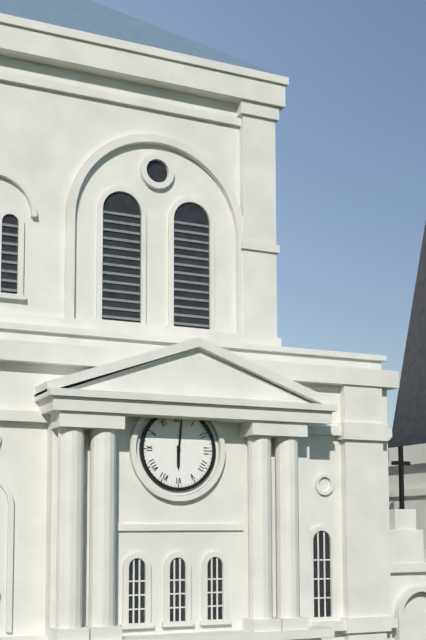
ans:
**6:01**
